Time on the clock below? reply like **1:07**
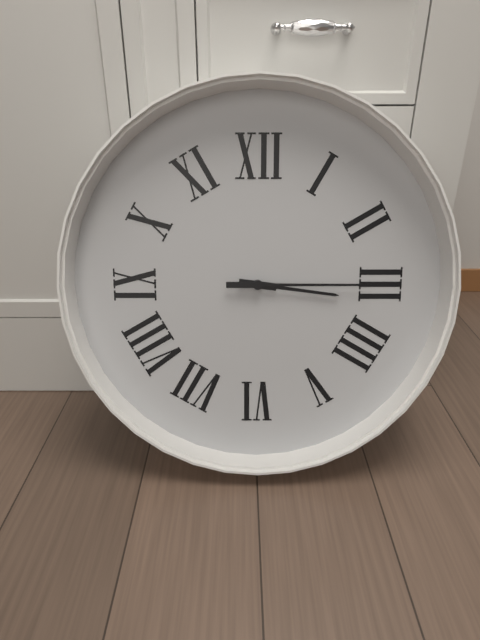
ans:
**3:15**
